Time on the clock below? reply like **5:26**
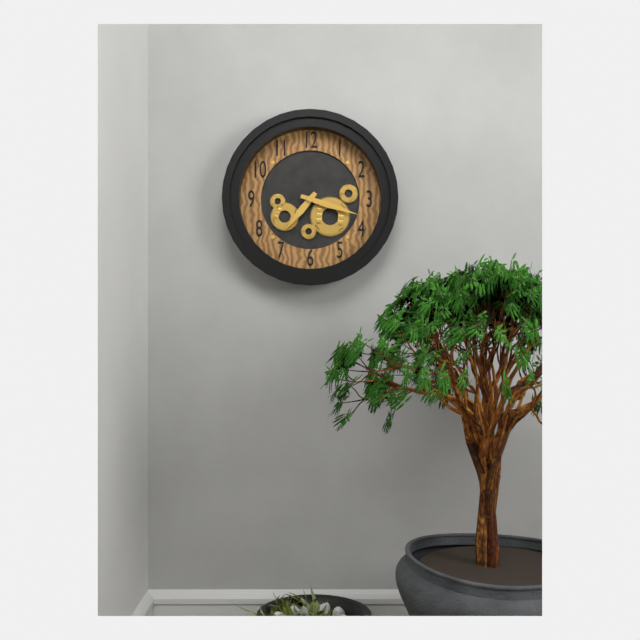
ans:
**7:18**
